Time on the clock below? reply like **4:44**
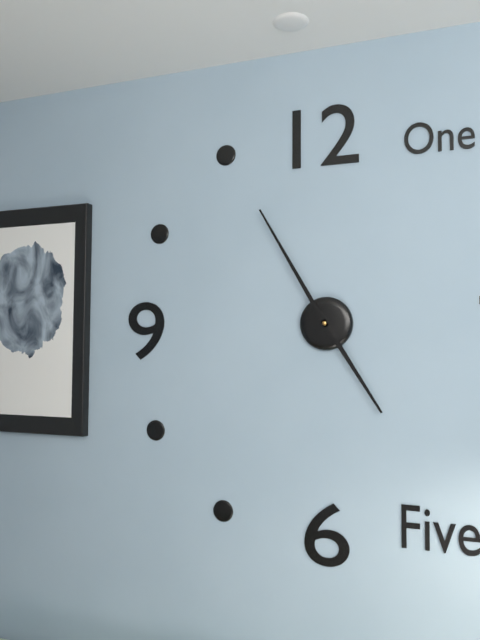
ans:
**4:55**
